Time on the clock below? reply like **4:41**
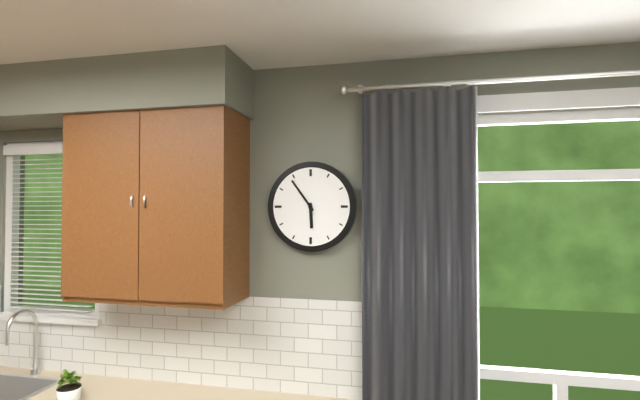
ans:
**5:54**
